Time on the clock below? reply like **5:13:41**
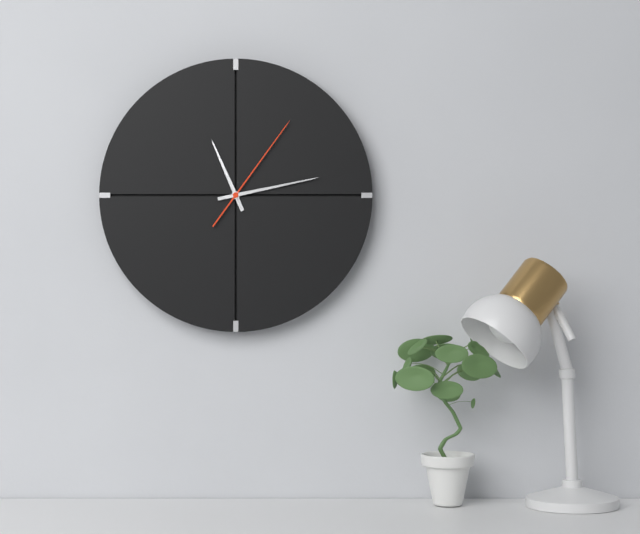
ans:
**11:13:06**
